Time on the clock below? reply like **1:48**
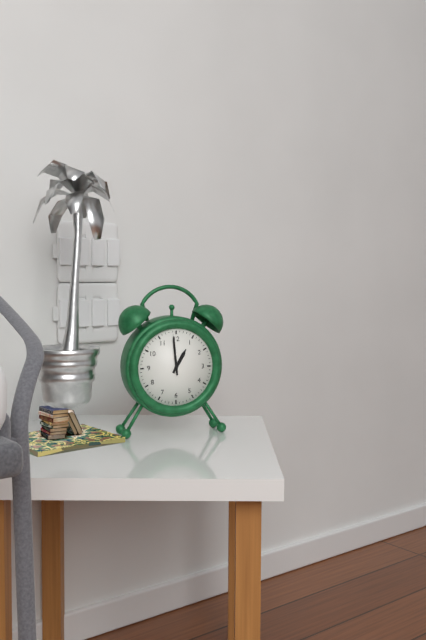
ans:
**12:59**
